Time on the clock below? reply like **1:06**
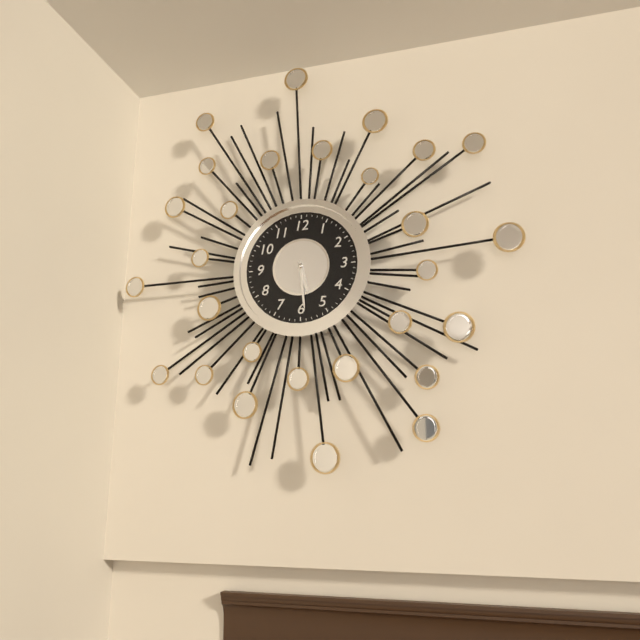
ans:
**5:29**
